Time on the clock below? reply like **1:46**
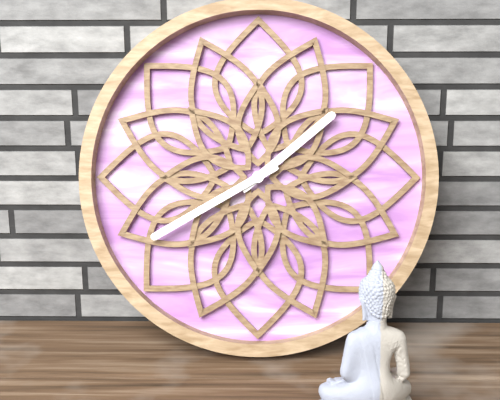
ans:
**1:40**
